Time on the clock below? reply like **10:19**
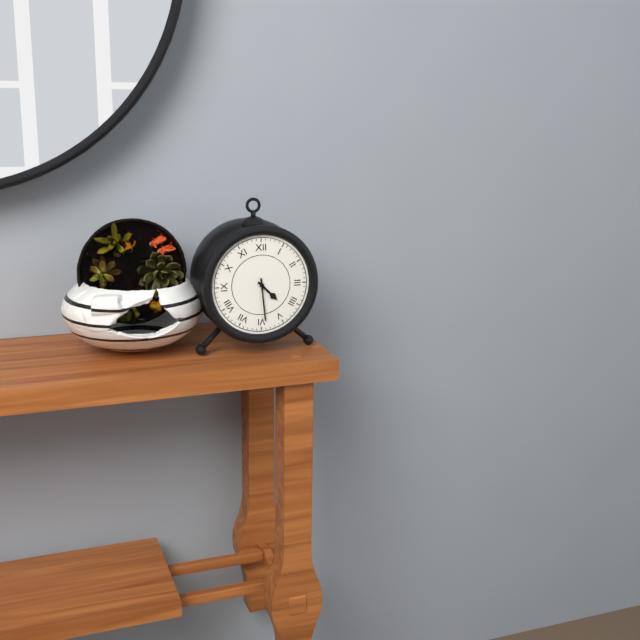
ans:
**4:29**
